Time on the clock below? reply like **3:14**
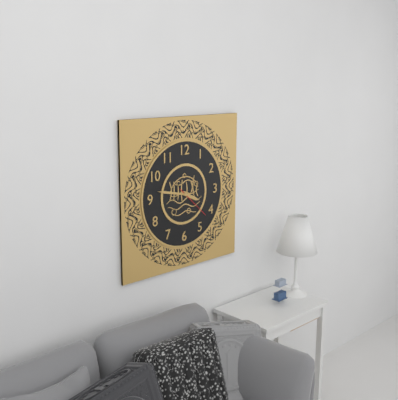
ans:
**3:47**
